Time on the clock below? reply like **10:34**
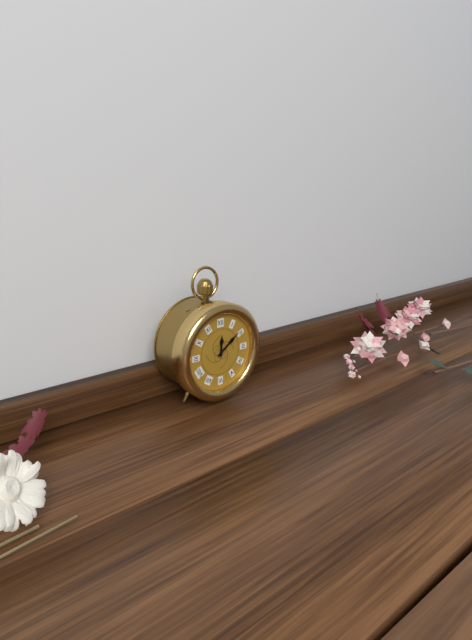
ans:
**12:09**
